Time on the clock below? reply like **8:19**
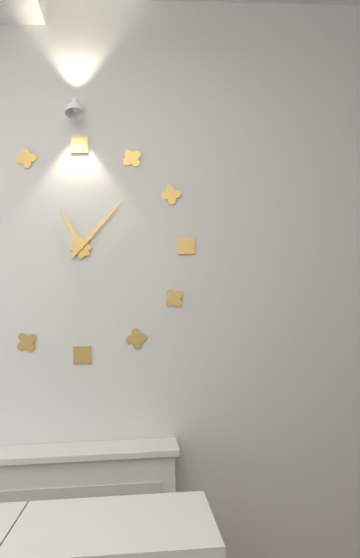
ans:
**11:07**
